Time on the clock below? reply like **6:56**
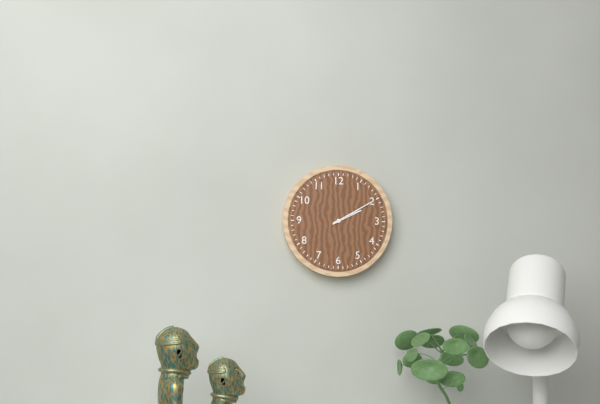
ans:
**2:10**
